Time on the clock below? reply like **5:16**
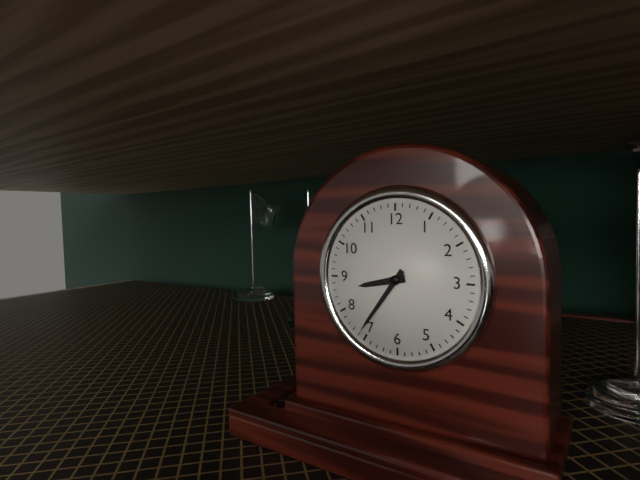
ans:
**8:36**
